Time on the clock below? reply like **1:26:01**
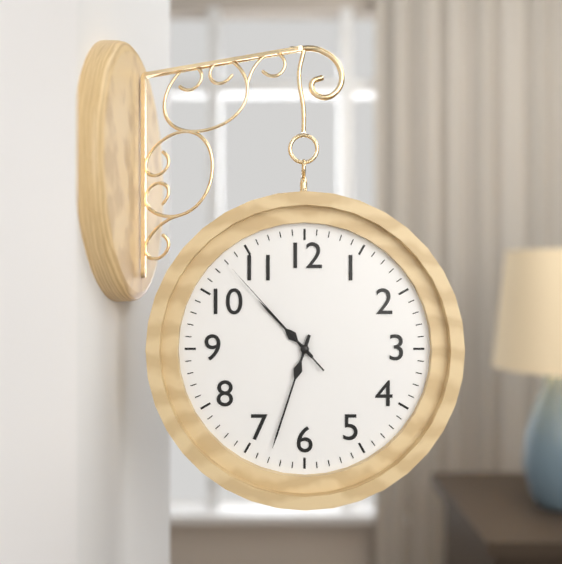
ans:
**10:33:53**
